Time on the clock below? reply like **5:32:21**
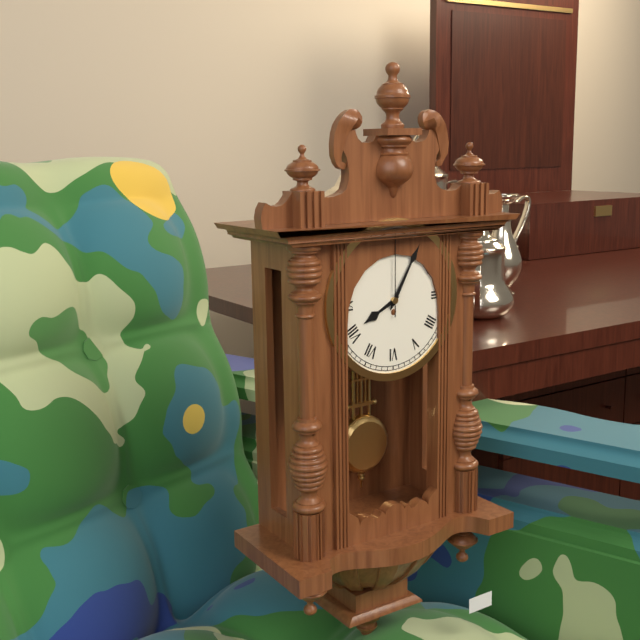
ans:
**8:05:00**
